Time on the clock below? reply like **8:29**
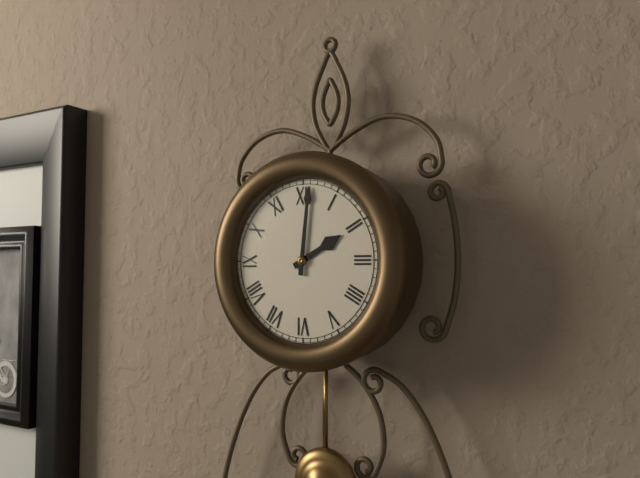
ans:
**2:01**
